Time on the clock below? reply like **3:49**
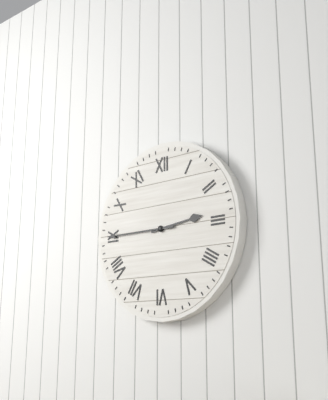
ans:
**2:45**
